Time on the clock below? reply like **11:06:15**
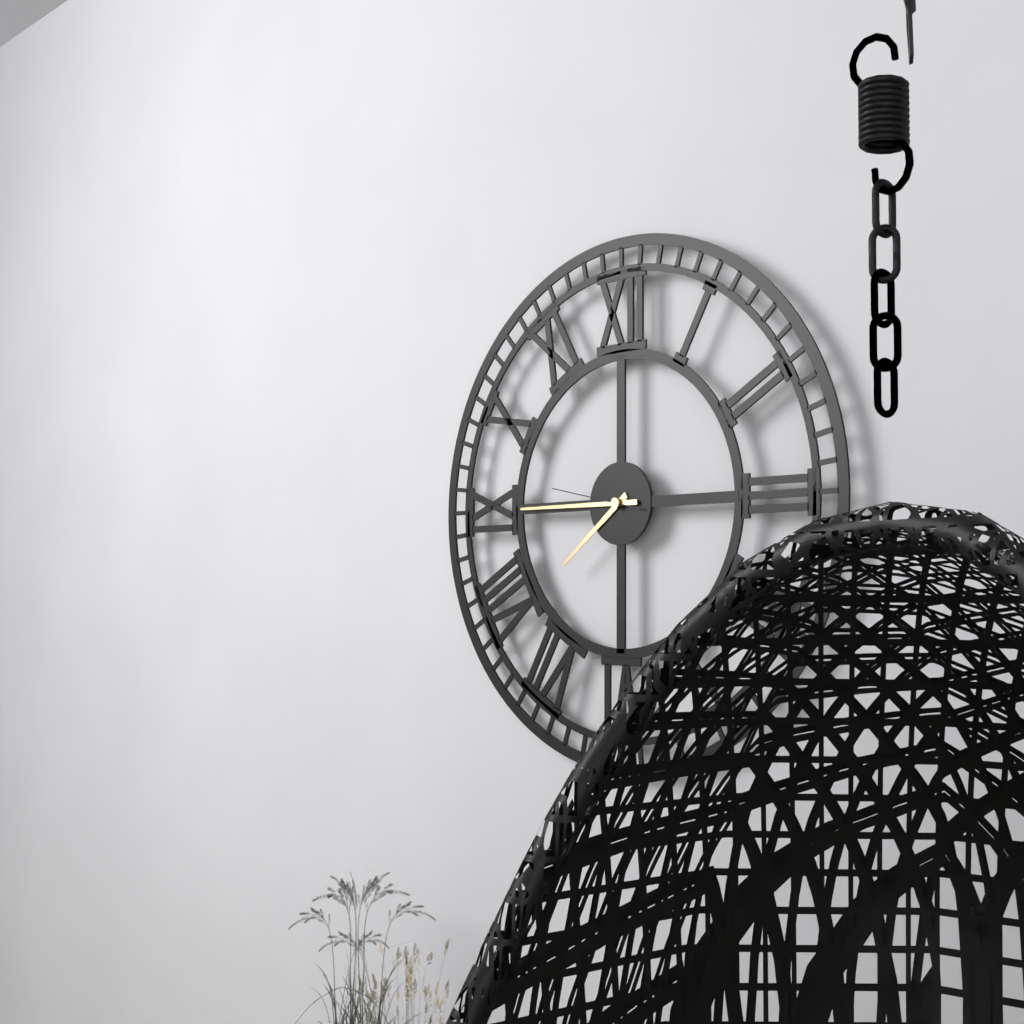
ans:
**7:45:47**
